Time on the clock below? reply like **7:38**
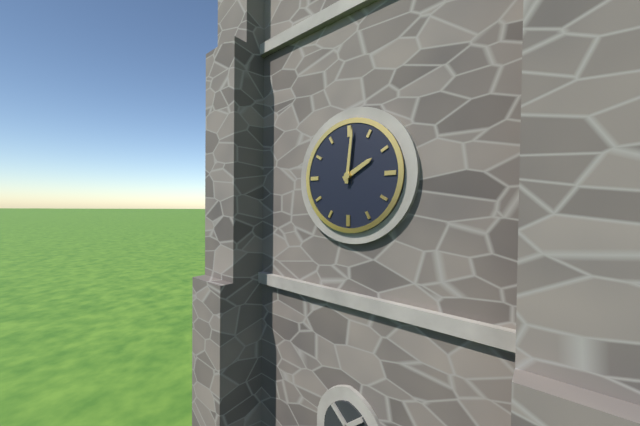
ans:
**2:01**
